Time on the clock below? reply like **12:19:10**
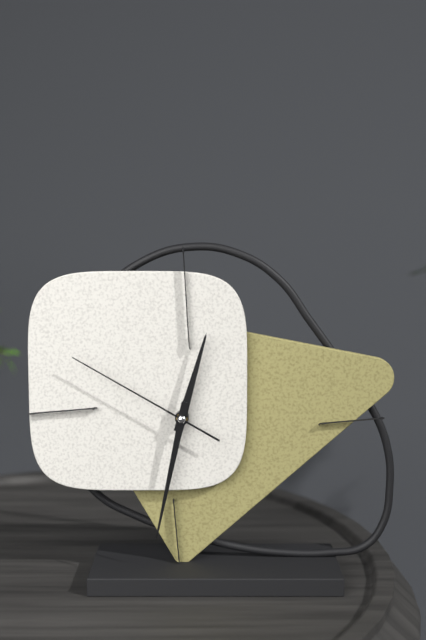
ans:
**12:32:50**
